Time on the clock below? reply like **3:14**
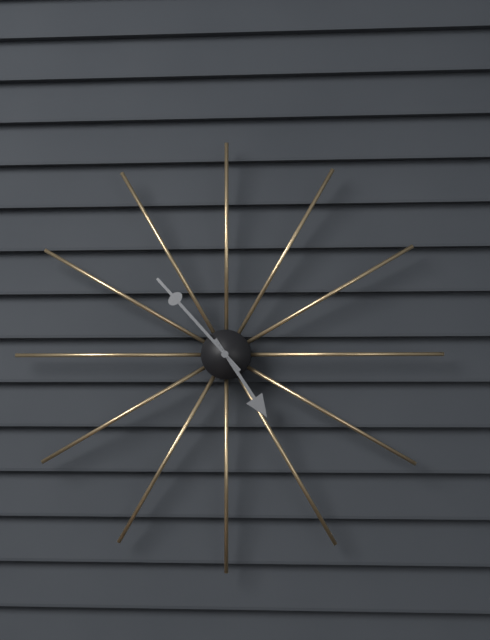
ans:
**4:53**
